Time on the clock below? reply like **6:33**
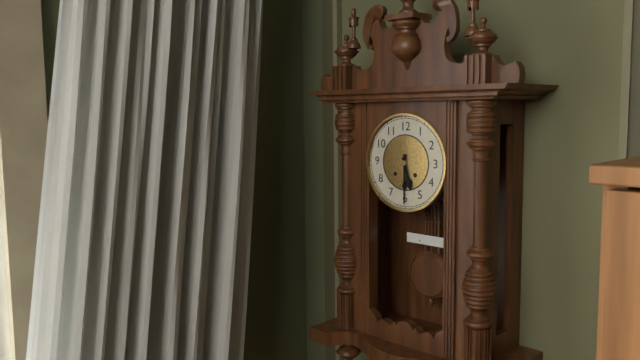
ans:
**5:30**
